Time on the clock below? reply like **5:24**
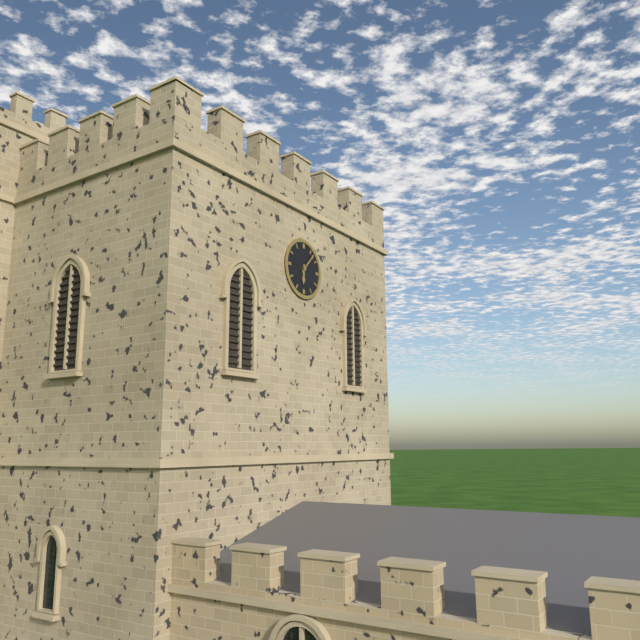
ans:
**6:07**
